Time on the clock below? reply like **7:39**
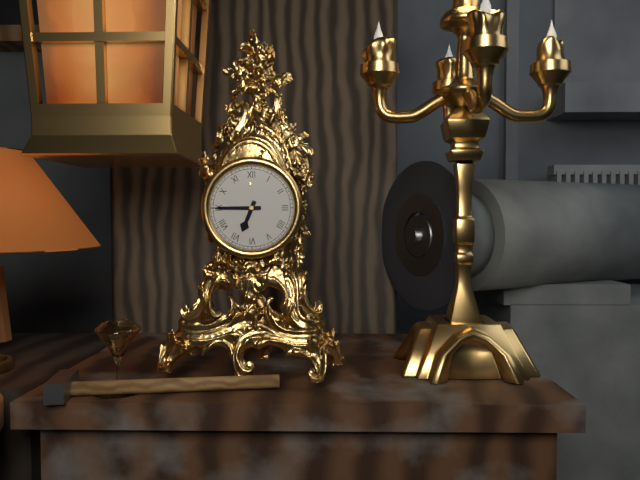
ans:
**6:45**
